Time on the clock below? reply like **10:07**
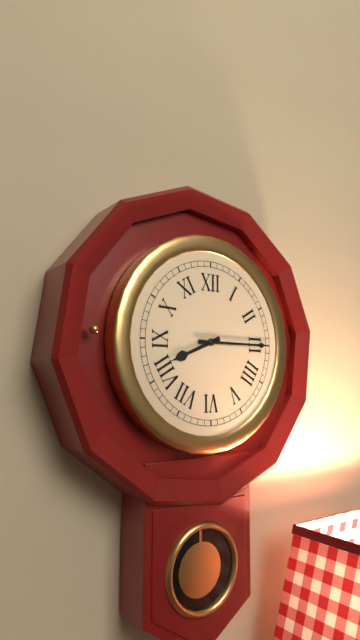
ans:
**8:15**
